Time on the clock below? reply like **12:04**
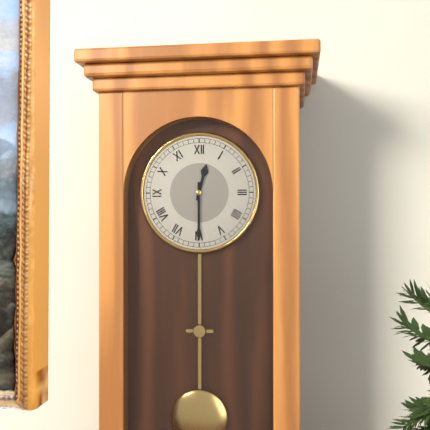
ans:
**12:30**
